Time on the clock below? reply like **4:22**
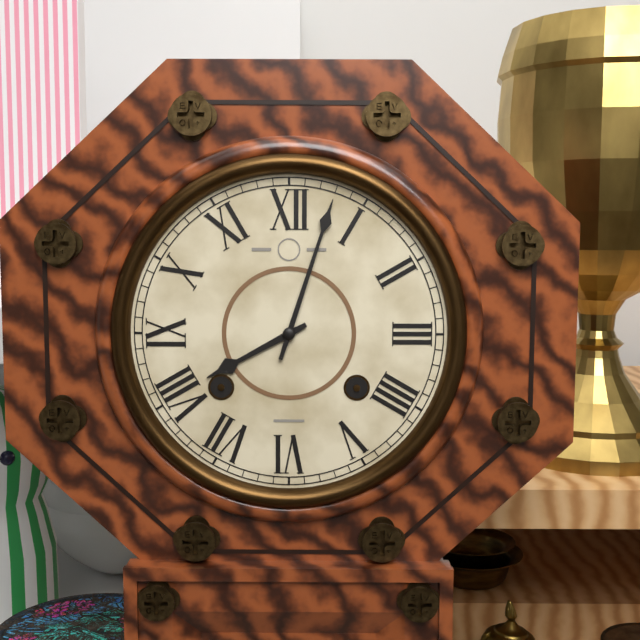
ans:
**8:03**
